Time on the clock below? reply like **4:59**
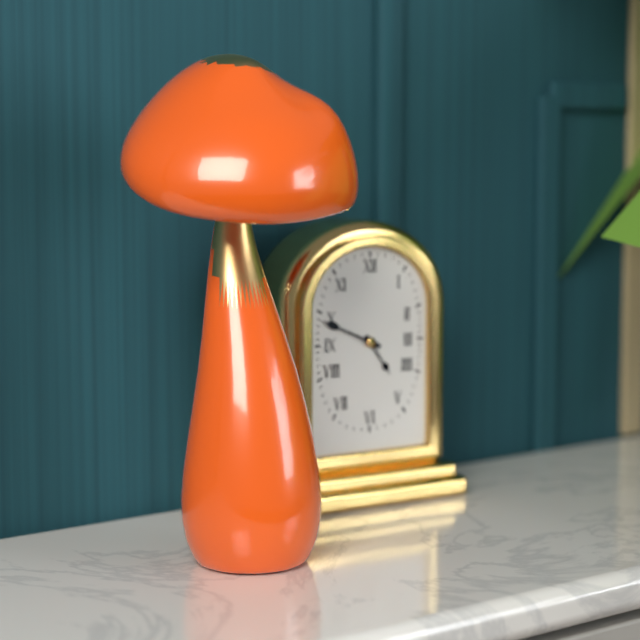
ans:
**4:49**
